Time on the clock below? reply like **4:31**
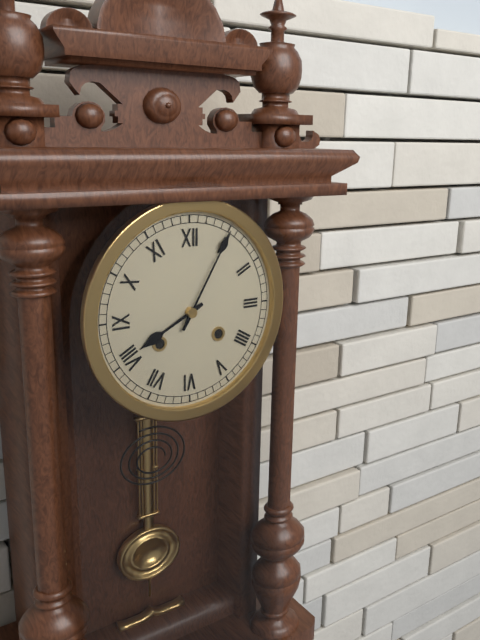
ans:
**8:05**
